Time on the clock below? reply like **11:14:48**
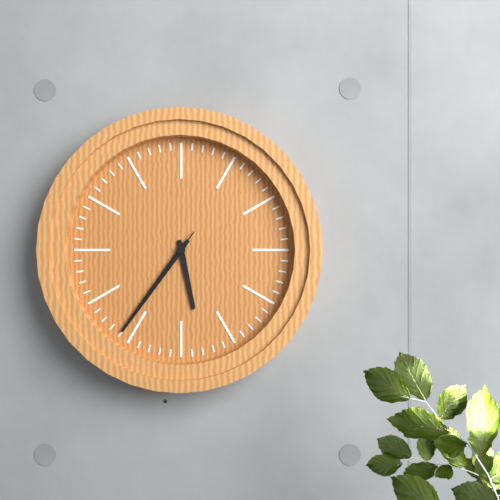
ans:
**5:36:36**
